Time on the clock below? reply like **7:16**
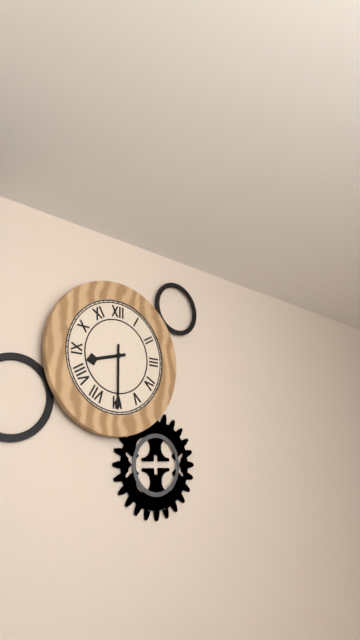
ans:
**8:30**
